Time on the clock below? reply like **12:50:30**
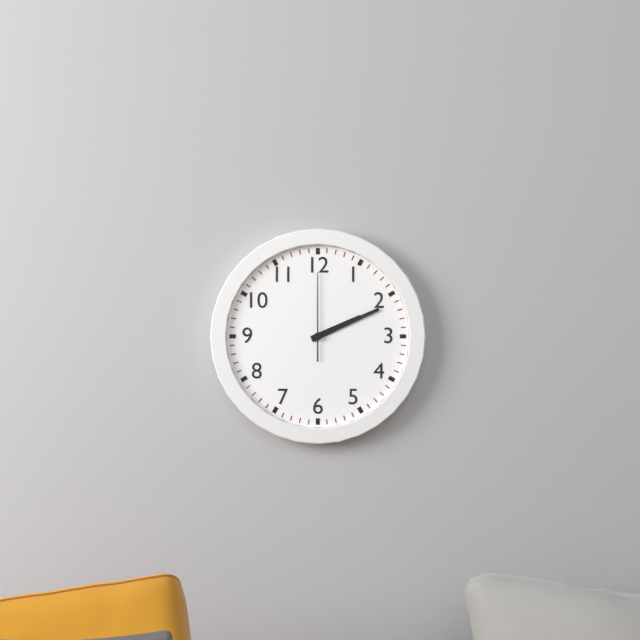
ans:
**2:11:00**
